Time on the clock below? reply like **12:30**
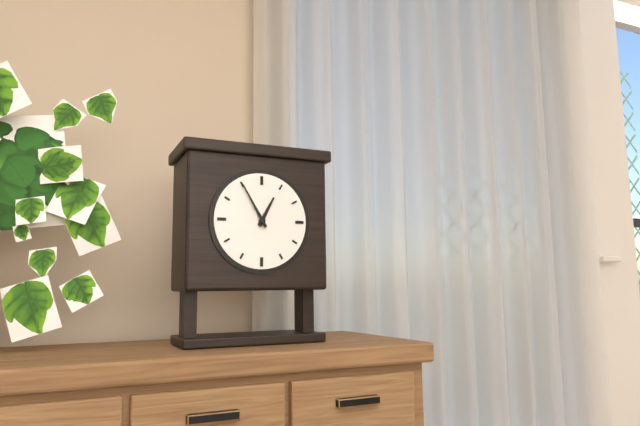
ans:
**12:55**
